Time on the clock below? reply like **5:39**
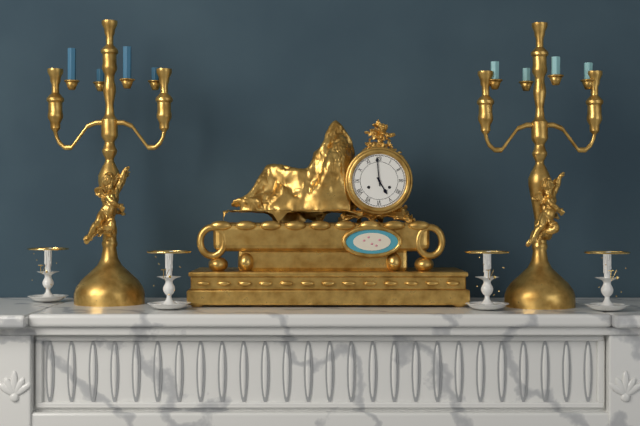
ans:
**4:59**
